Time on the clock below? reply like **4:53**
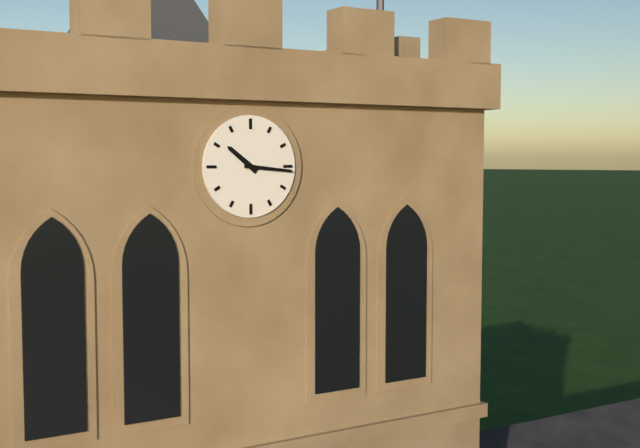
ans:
**10:16**
